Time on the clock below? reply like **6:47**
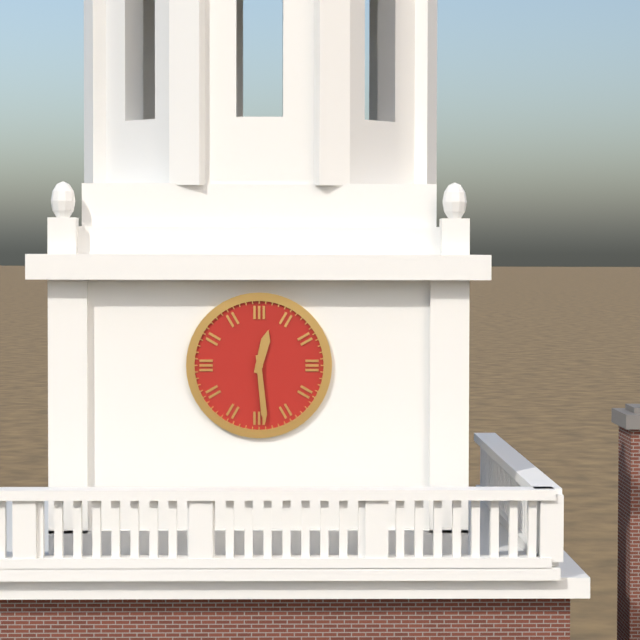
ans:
**12:29**
